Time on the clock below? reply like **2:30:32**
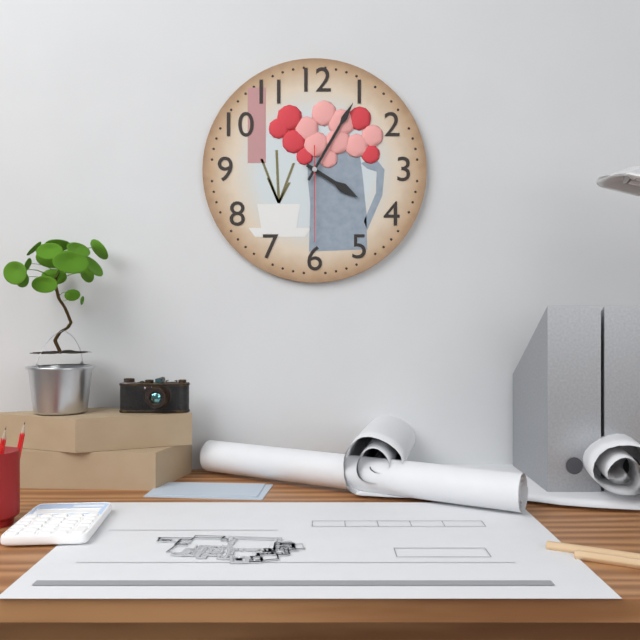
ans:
**4:05:30**
